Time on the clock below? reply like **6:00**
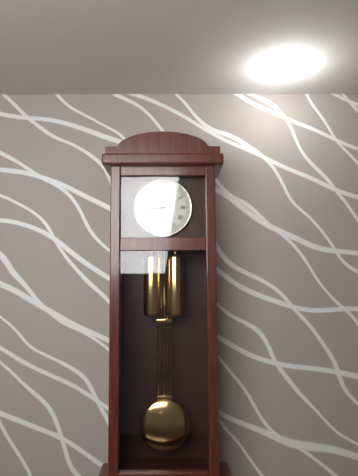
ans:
**5:44**
